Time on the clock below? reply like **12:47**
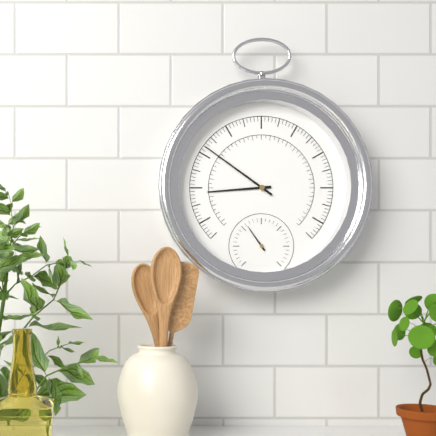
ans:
**8:51**
